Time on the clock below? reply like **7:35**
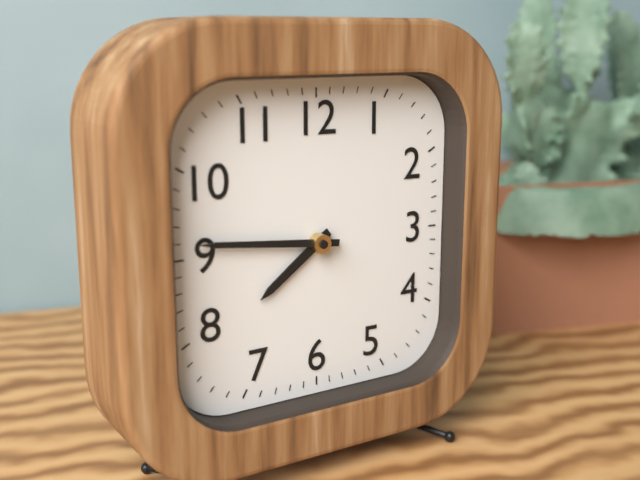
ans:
**7:46**
